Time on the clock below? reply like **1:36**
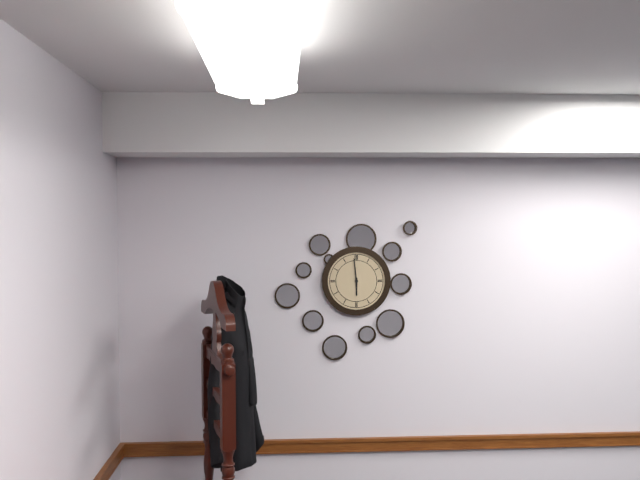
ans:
**5:59**
